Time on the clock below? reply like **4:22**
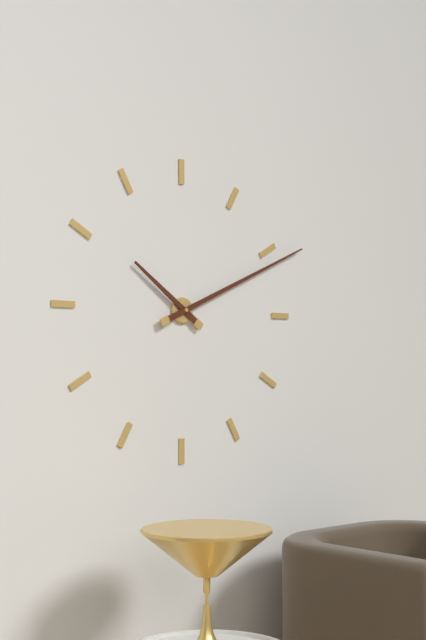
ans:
**10:11**
